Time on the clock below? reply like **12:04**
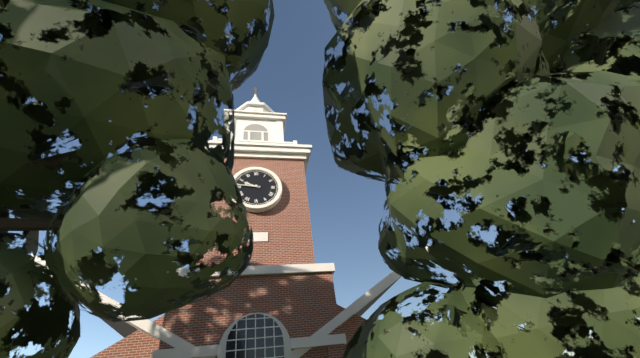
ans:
**9:46**
